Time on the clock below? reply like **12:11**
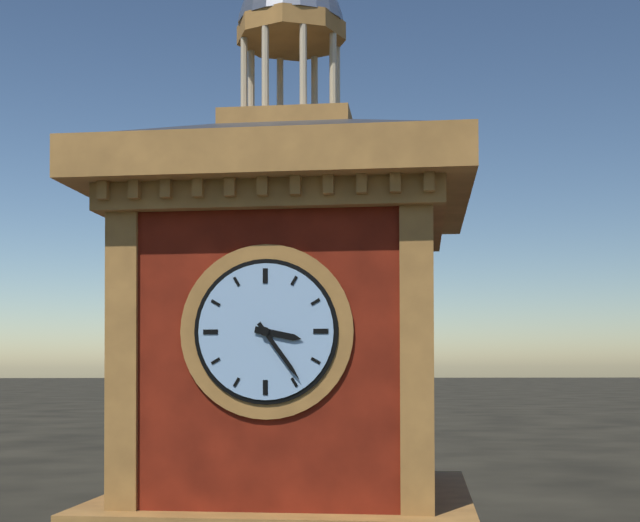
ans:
**3:24**
